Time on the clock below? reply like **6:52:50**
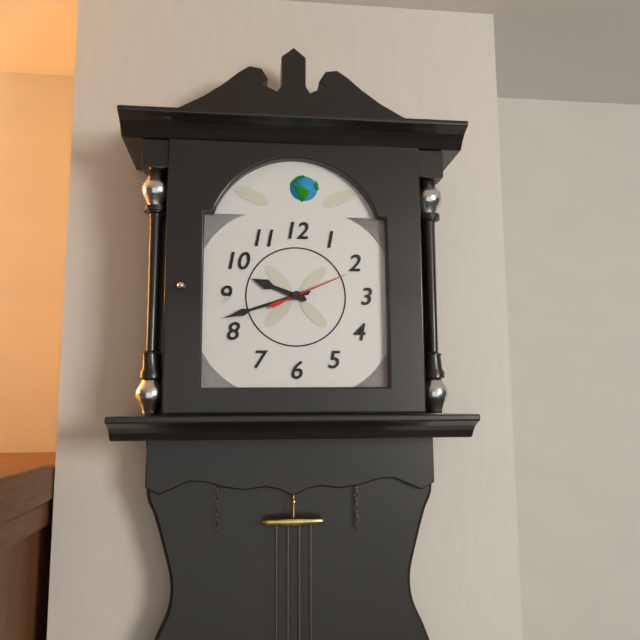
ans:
**9:42:11**
